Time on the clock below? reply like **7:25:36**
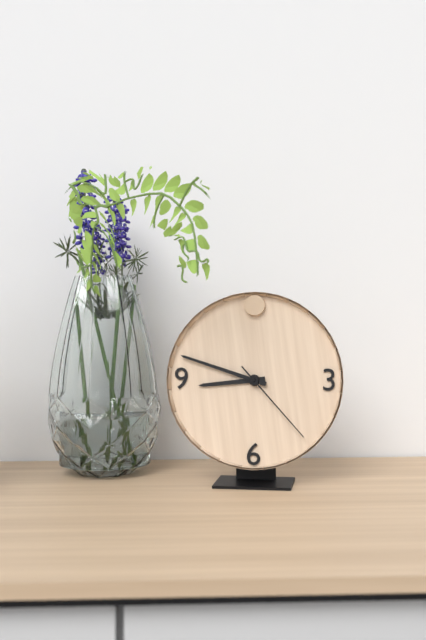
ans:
**8:48:23**
